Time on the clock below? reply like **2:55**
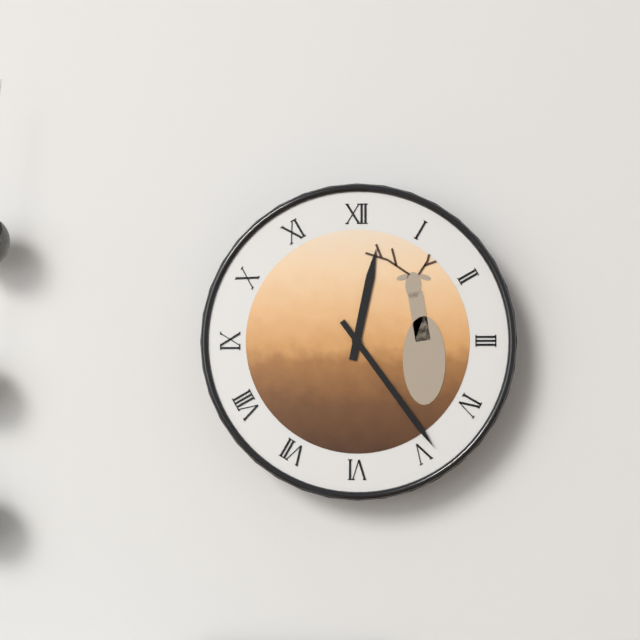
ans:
**12:24**
